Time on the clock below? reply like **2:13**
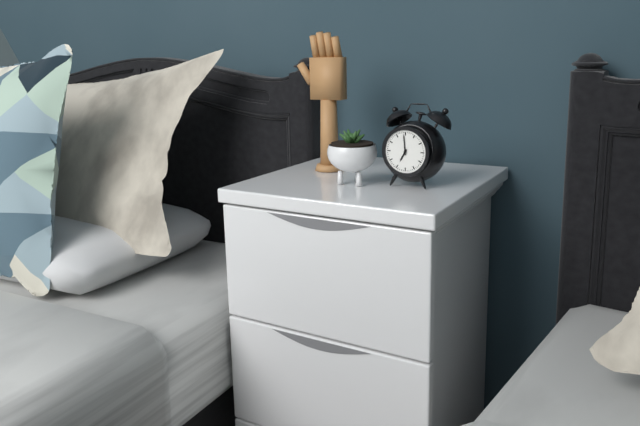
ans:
**6:59**
